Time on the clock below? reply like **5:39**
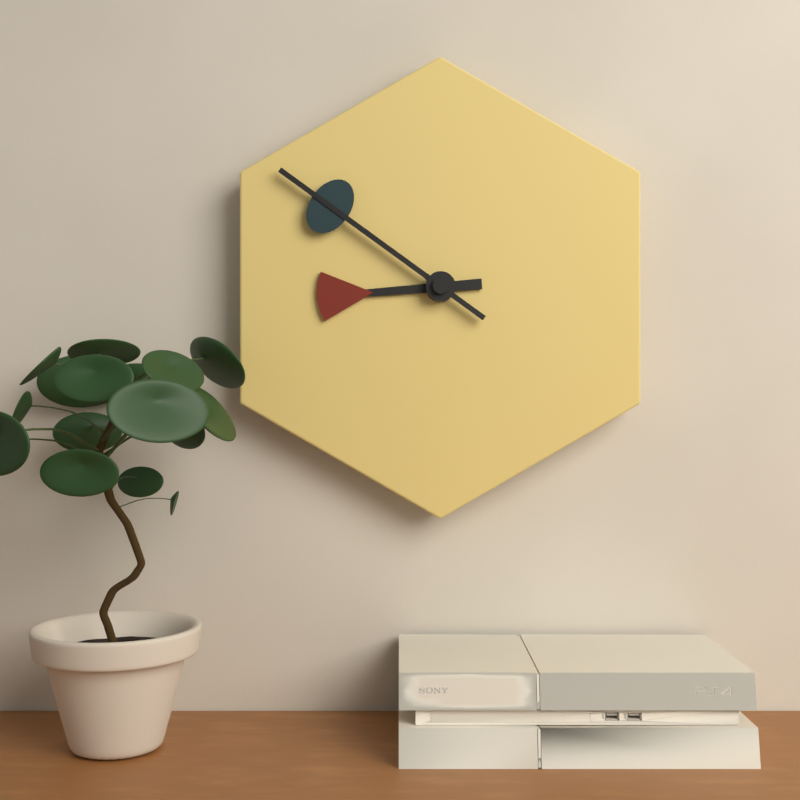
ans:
**8:51**
